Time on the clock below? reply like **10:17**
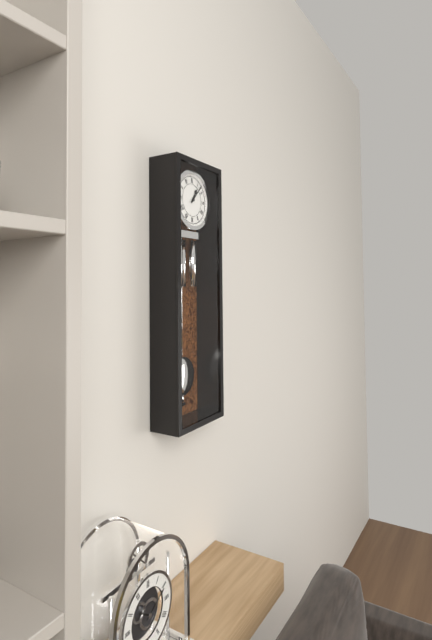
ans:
**1:07**
